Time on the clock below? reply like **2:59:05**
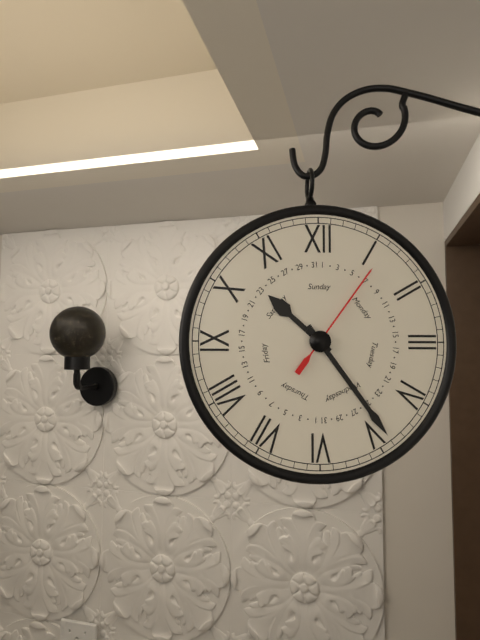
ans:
**10:24:06**
